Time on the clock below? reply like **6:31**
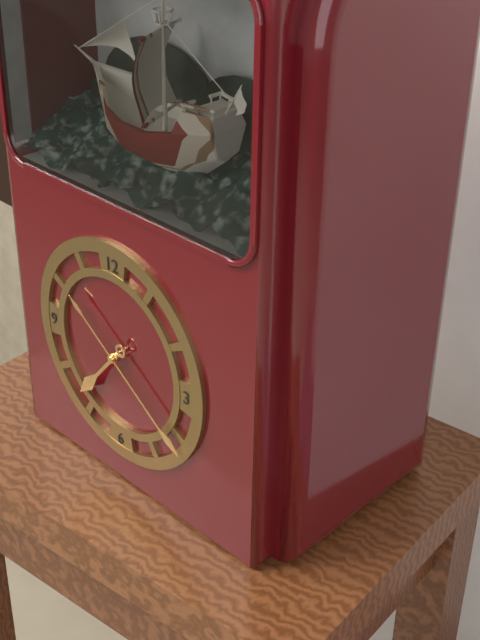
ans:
**7:21**
